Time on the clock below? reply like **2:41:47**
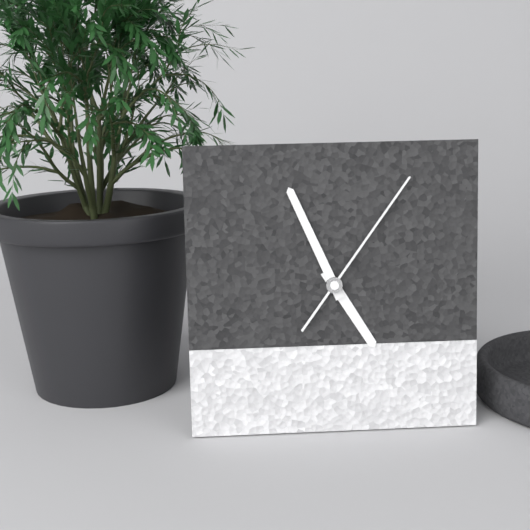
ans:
**4:56:06**
